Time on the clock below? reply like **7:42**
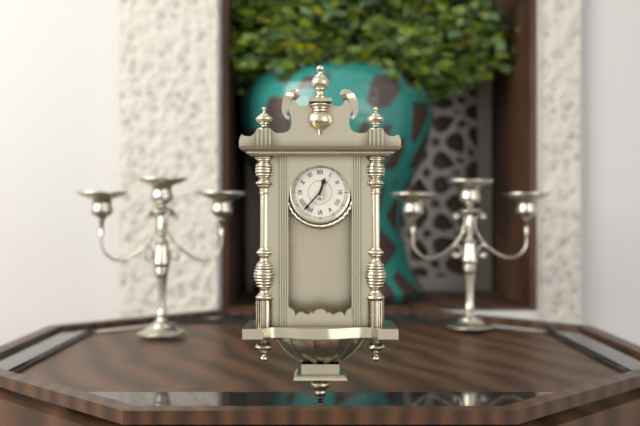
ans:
**12:37**
